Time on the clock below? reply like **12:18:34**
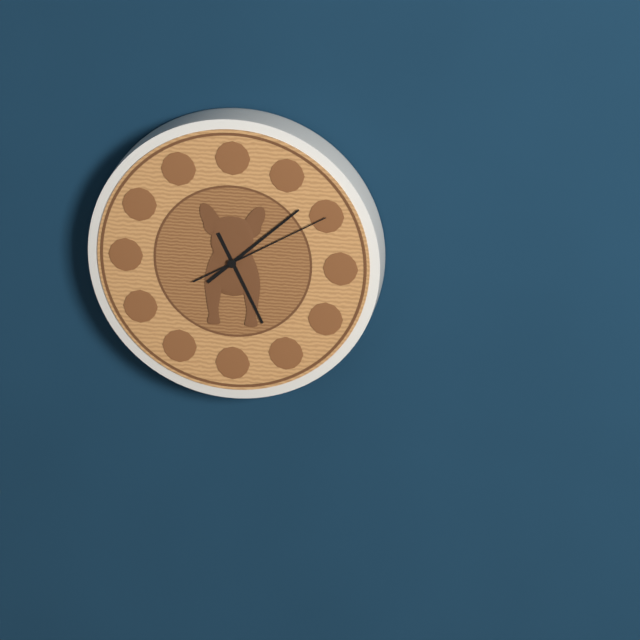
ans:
**5:08:10**
